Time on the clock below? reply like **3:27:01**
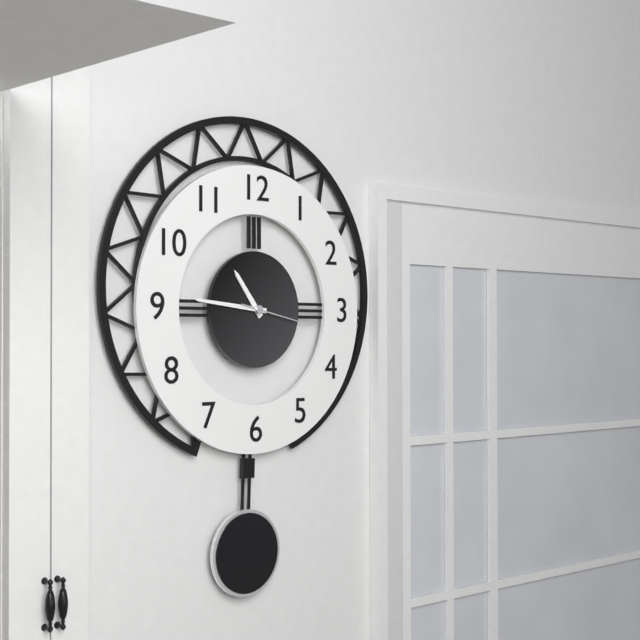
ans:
**10:46:17**
